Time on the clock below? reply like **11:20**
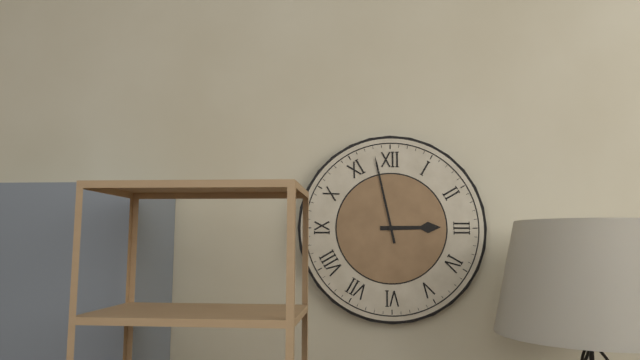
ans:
**2:58**
